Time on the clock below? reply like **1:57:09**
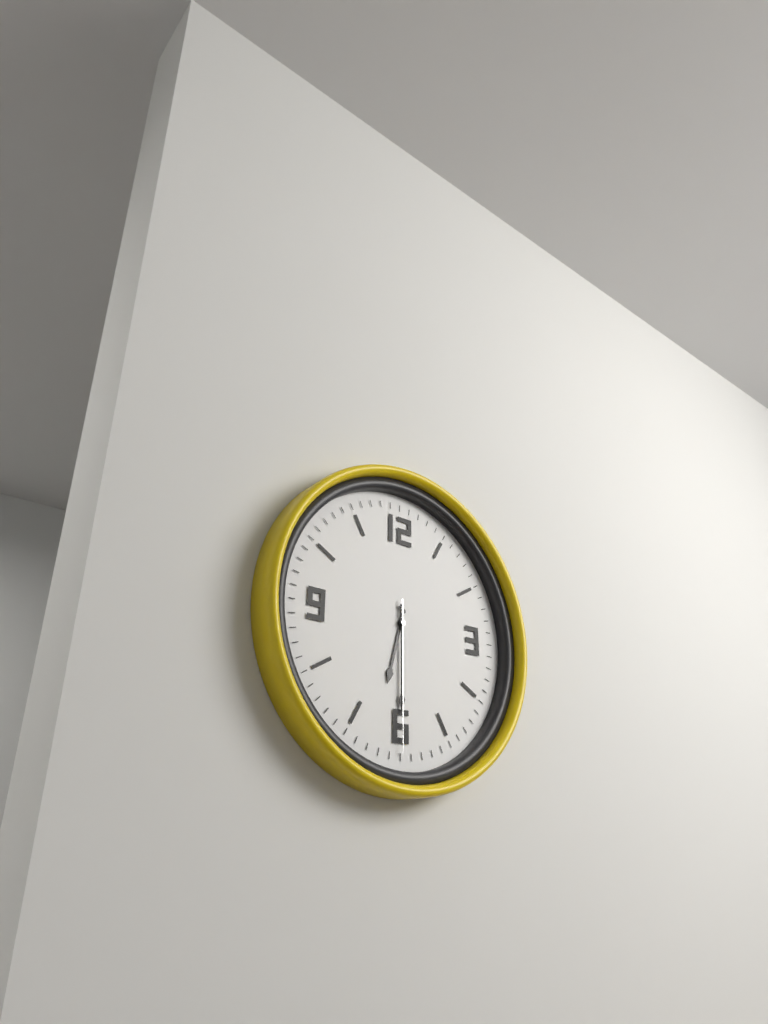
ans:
**6:30:30**
